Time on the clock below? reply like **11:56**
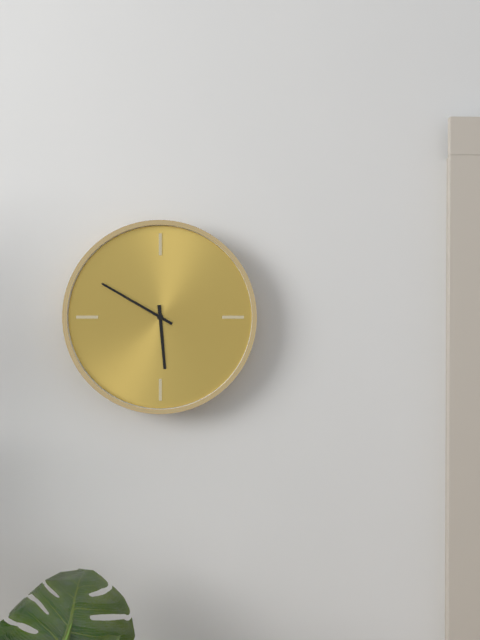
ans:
**5:50**
